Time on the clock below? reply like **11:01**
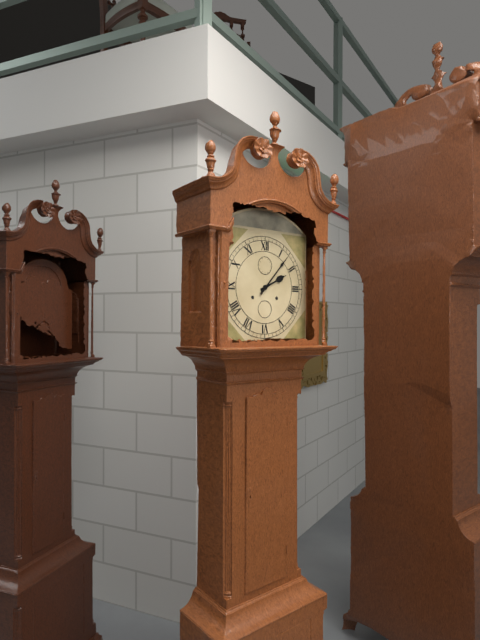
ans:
**2:07**
